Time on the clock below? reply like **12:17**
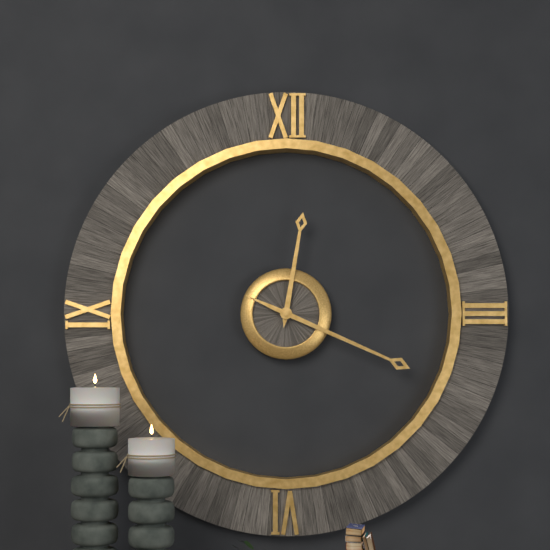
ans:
**12:19**
